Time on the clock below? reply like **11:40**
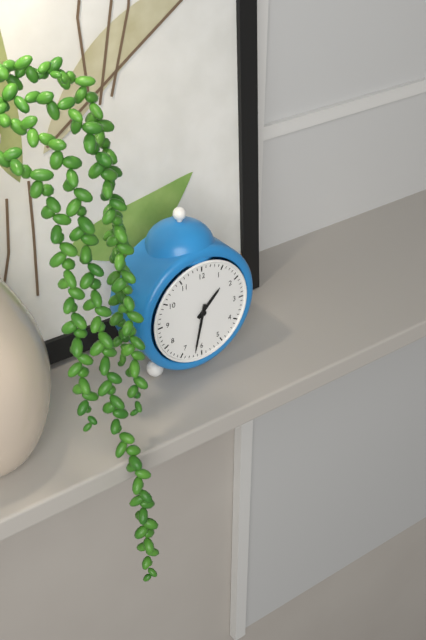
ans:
**1:32**
